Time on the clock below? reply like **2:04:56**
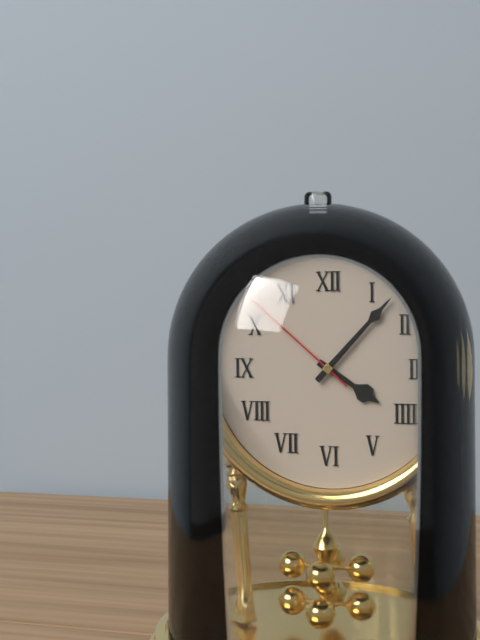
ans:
**4:07:52**
